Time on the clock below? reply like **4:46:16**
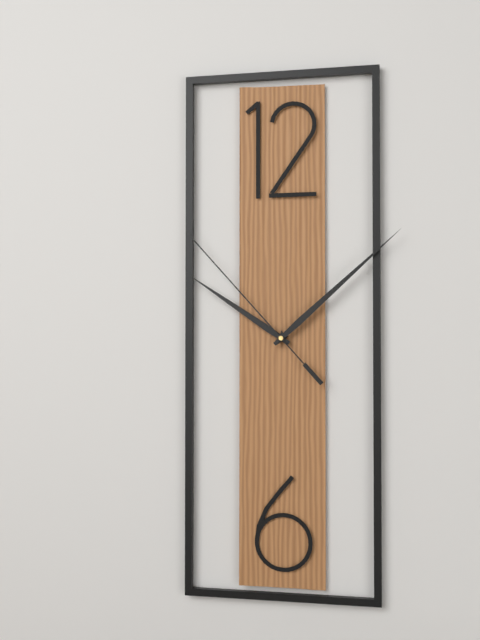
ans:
**10:08:53**
